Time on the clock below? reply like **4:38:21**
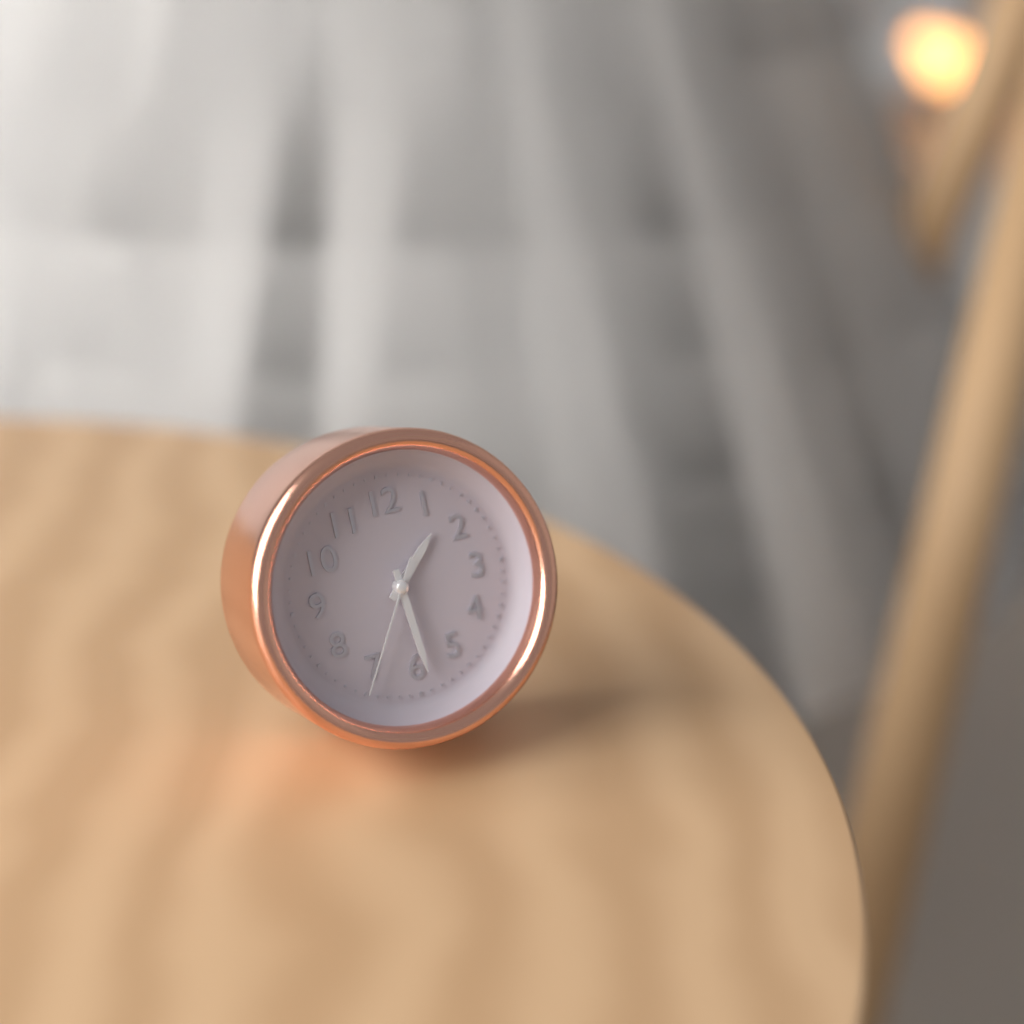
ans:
**1:29:35**
